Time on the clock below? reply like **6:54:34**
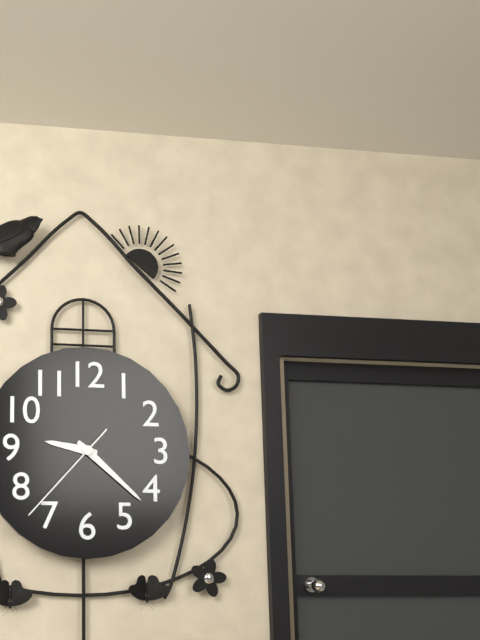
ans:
**9:22:37**
